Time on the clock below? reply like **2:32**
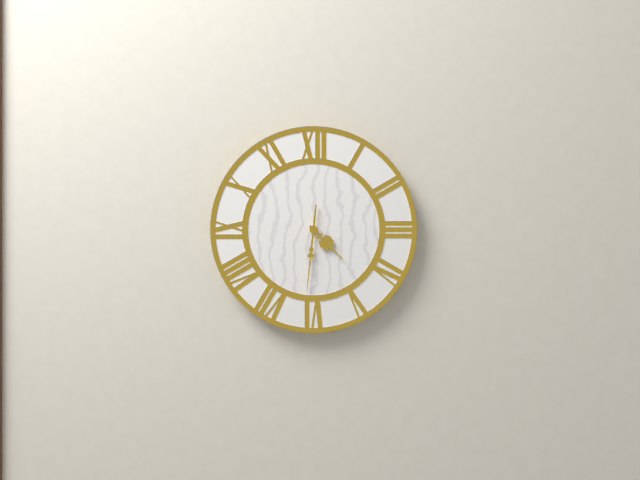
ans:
**4:31**
